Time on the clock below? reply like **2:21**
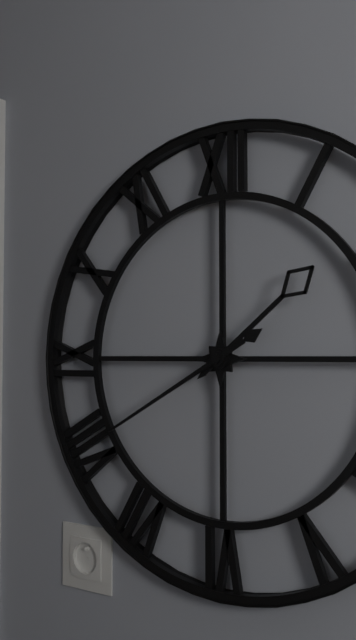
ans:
**1:40**
